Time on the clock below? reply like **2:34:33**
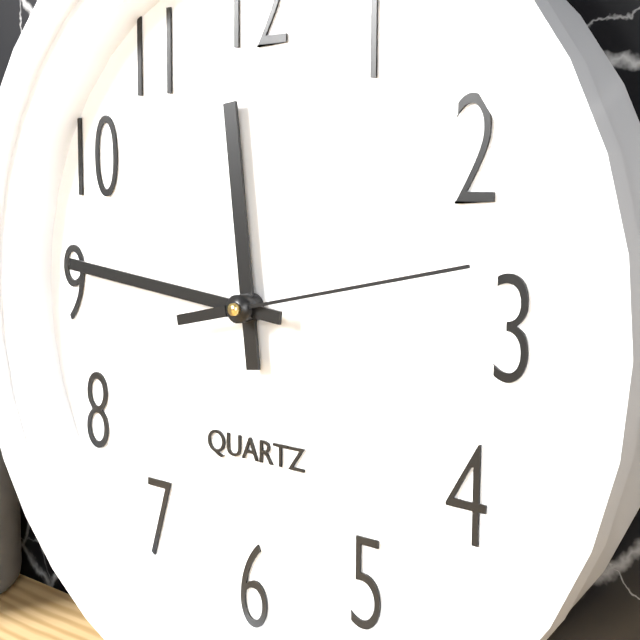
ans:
**11:46:13**
